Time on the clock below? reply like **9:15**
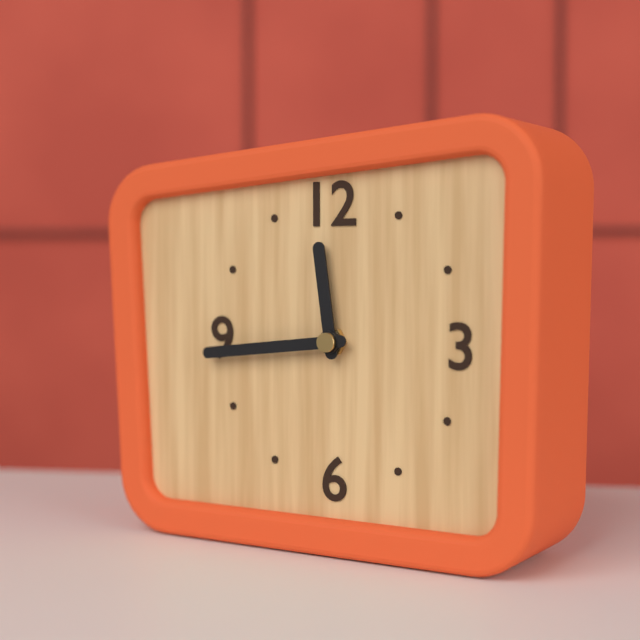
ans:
**11:44**
